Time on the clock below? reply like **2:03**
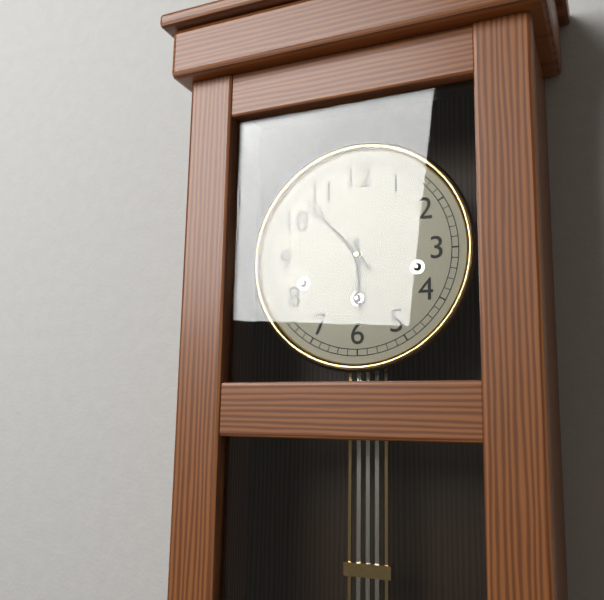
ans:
**5:53**
